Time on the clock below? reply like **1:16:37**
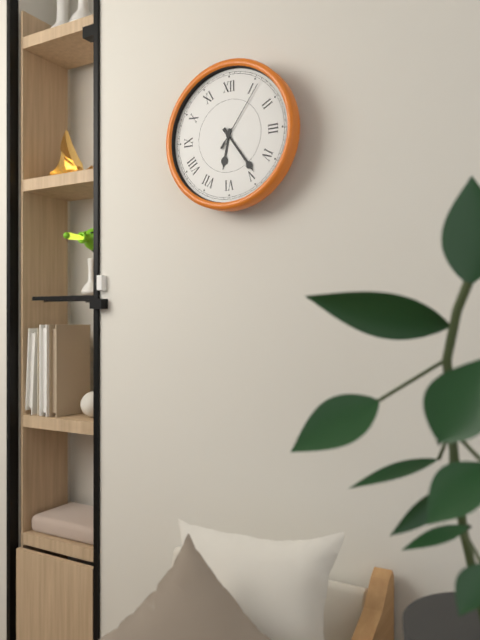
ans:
**6:24:06**
